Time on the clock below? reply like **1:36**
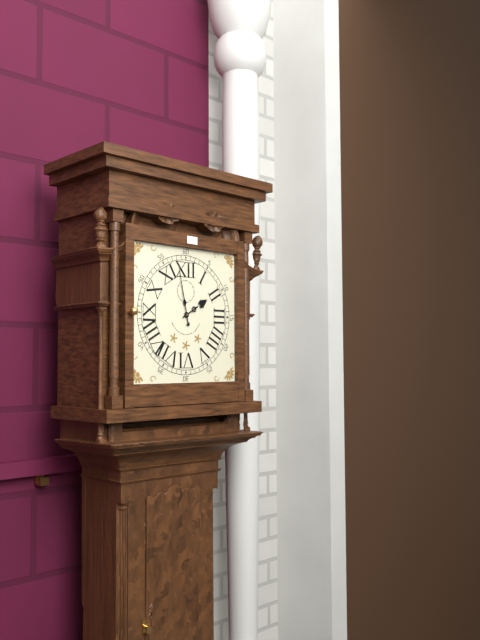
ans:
**1:58**
